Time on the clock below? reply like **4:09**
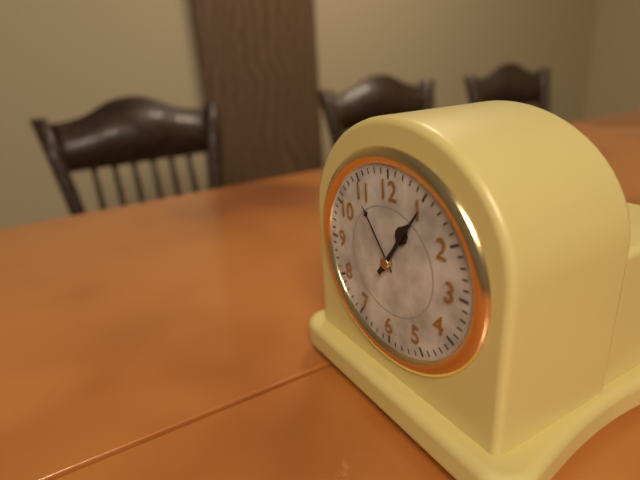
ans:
**1:06**
